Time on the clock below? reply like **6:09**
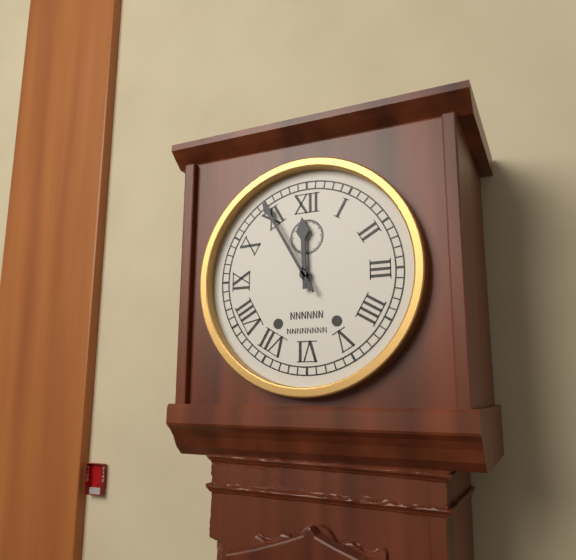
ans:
**11:55**
